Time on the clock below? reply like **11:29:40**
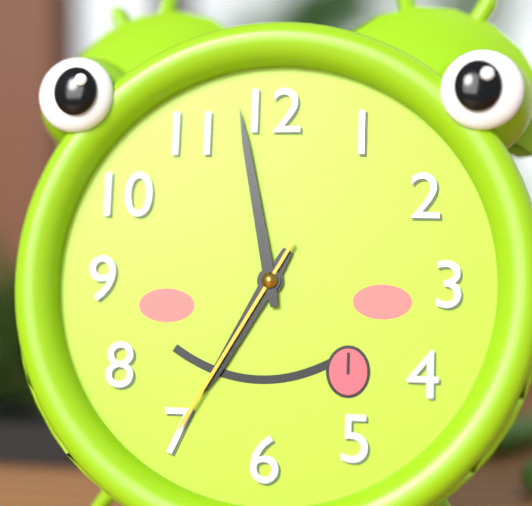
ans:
**6:58:35**
